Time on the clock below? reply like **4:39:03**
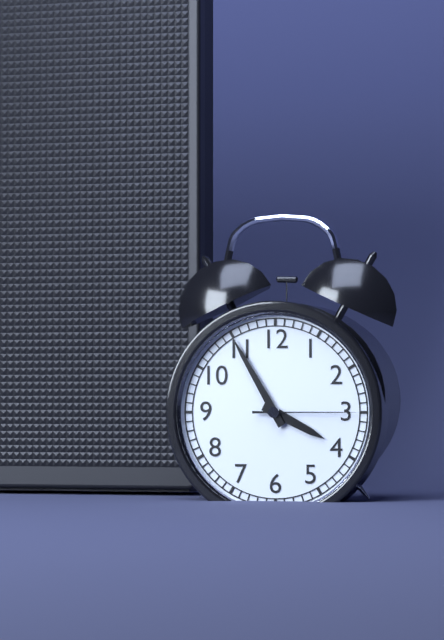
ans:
**3:55:15**
